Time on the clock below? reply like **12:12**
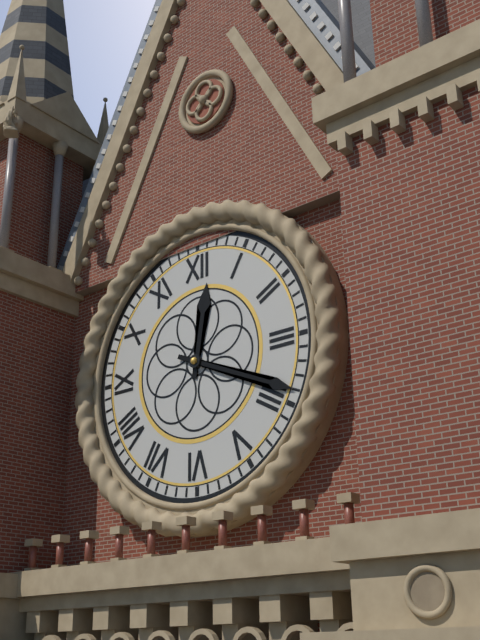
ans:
**12:19**
